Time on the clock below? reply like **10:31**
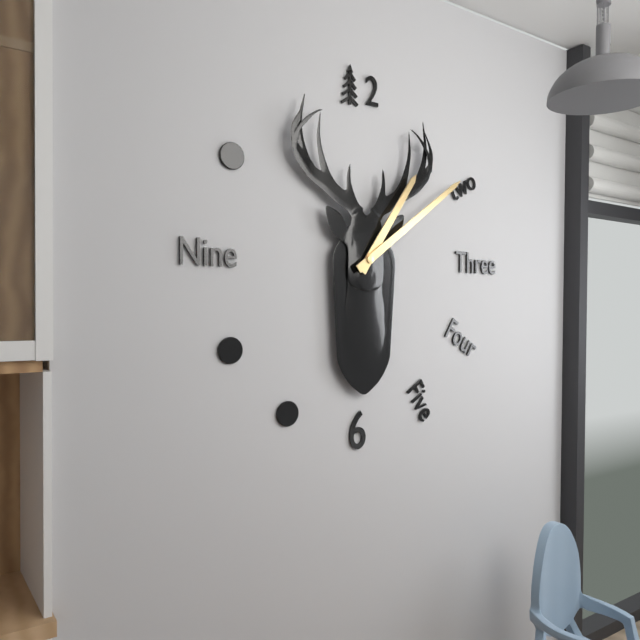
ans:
**1:09**
